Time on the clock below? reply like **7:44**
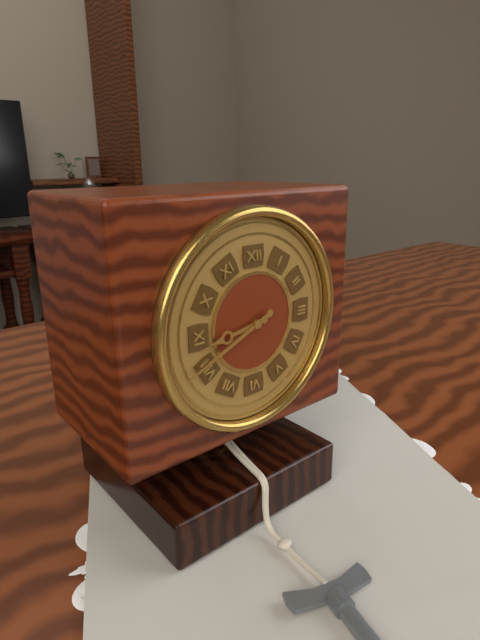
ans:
**8:41**
